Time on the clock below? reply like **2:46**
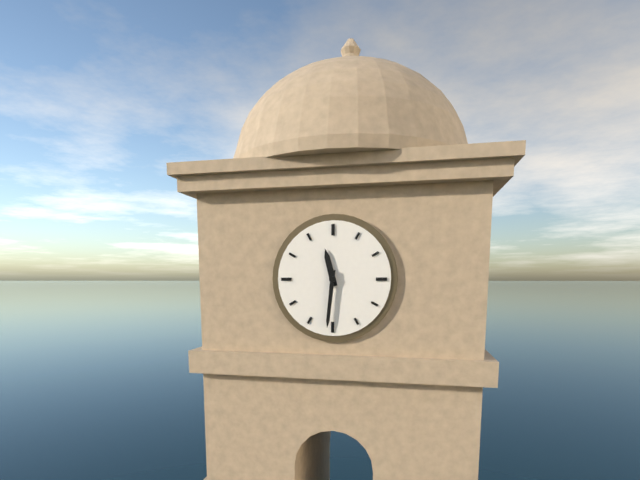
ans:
**11:31**
